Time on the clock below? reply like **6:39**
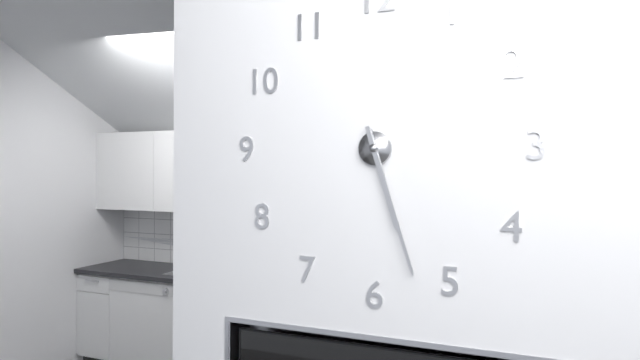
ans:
**5:27**
